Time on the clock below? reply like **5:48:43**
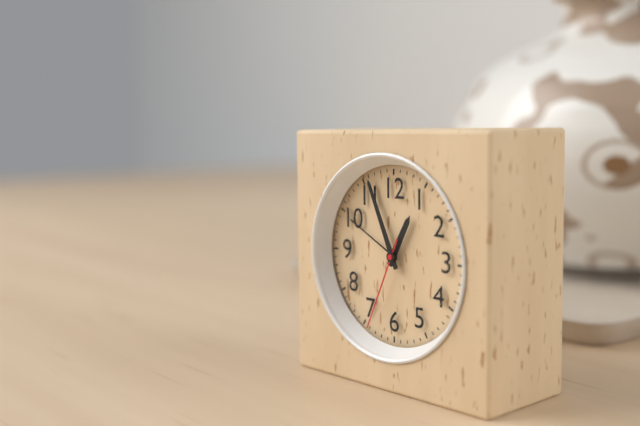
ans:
**12:56:34**
